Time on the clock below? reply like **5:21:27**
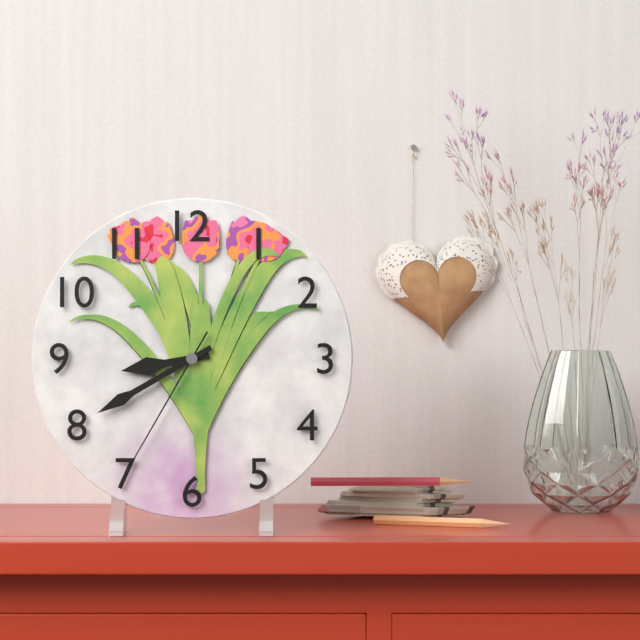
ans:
**8:40:35**
